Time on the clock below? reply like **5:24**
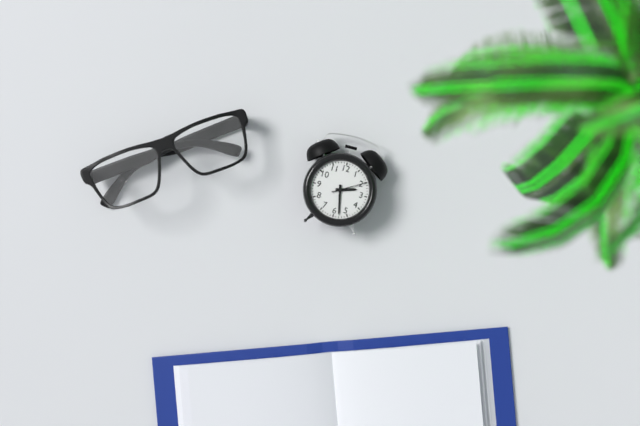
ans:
**2:28**
